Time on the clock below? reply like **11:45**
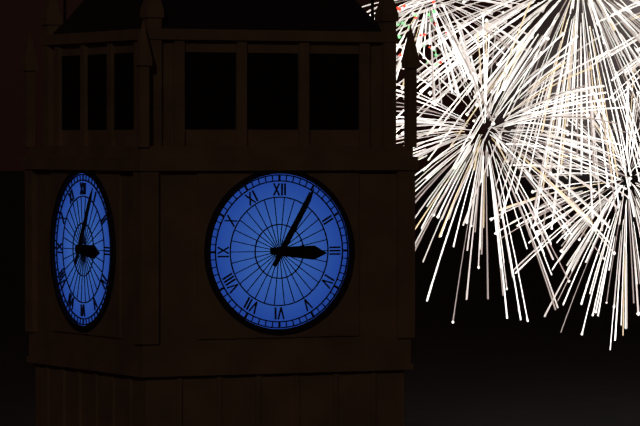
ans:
**3:05**
